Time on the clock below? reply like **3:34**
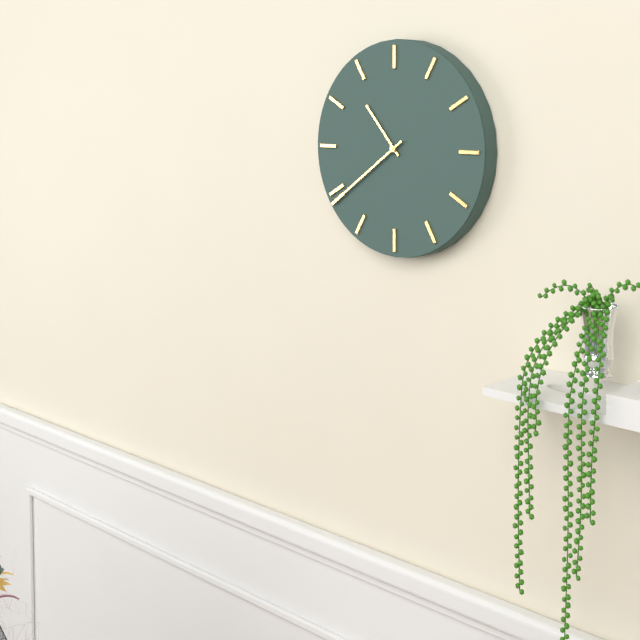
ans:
**10:39**
